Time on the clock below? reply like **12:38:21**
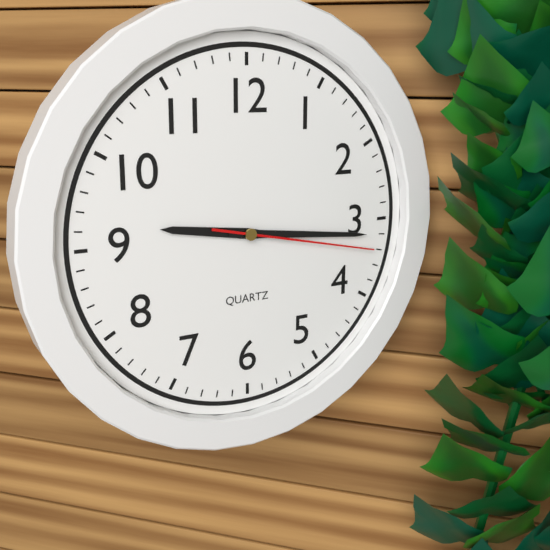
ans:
**9:16:17**
